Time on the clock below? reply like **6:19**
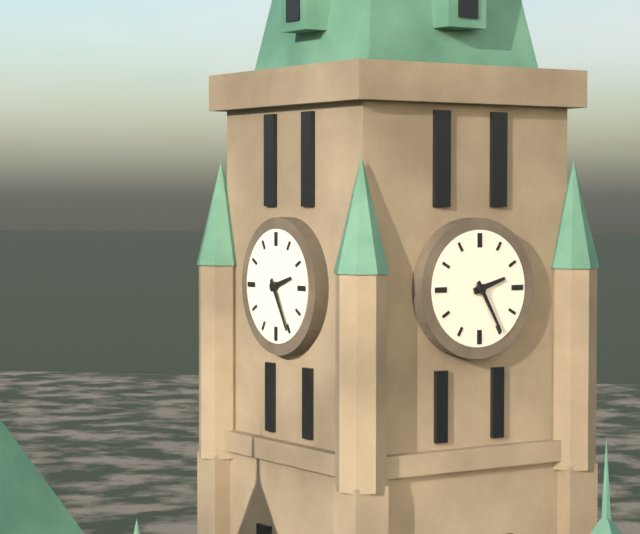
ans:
**2:25**
